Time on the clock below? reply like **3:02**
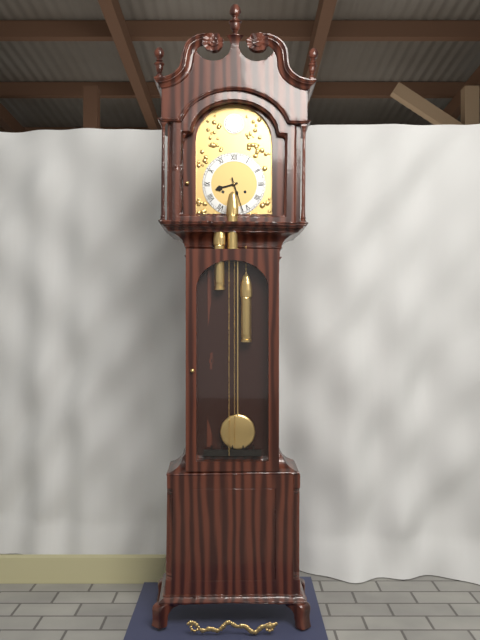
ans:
**8:27**
